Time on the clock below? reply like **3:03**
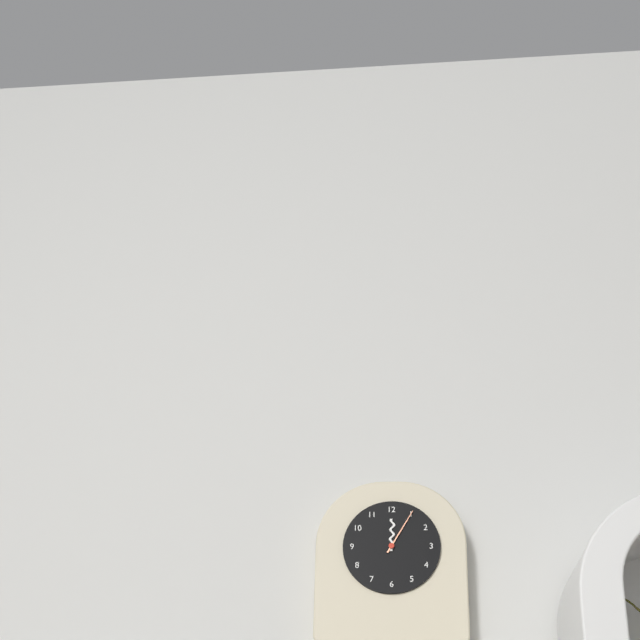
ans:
**12:05**
